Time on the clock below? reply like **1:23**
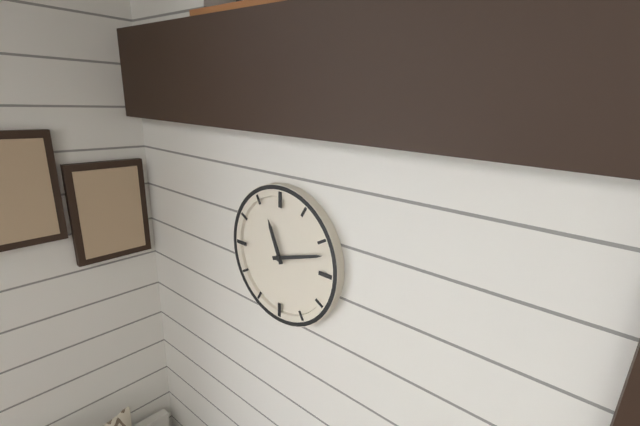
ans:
**11:12**
